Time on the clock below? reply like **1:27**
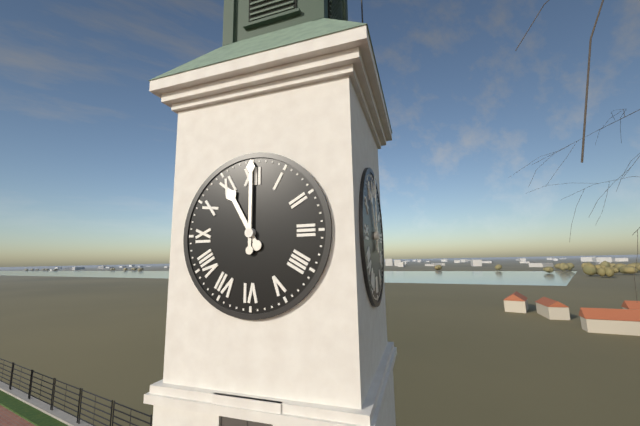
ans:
**11:00**
